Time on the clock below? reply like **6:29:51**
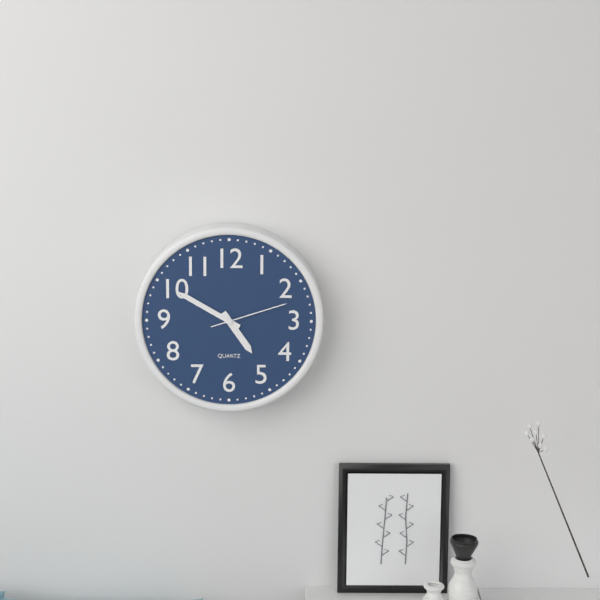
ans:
**4:50:12**
